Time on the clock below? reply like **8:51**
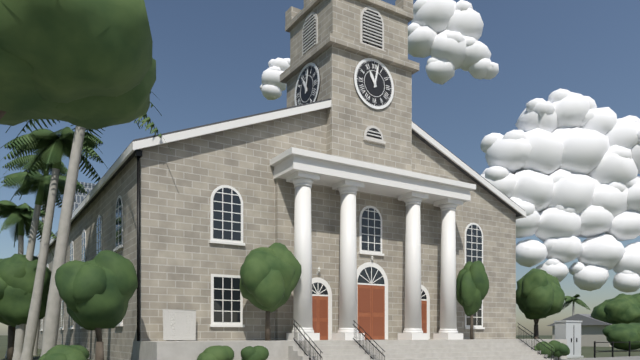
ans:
**11:02**
